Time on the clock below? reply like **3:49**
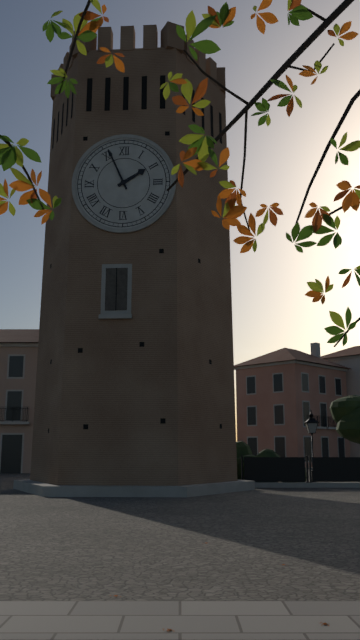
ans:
**1:56**
